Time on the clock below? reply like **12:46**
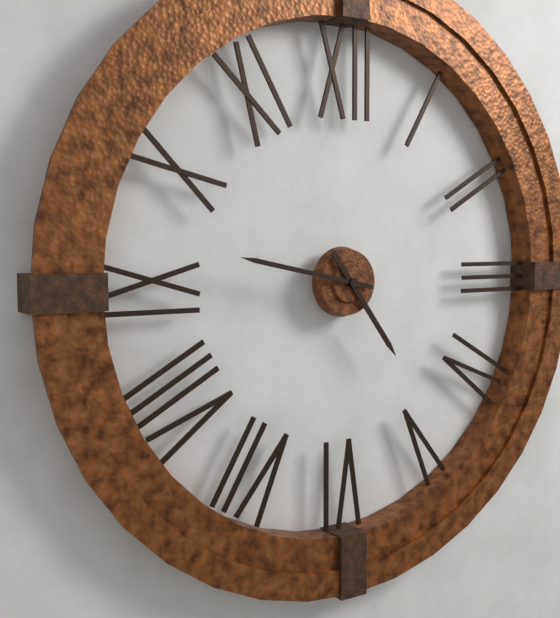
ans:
**4:47**
